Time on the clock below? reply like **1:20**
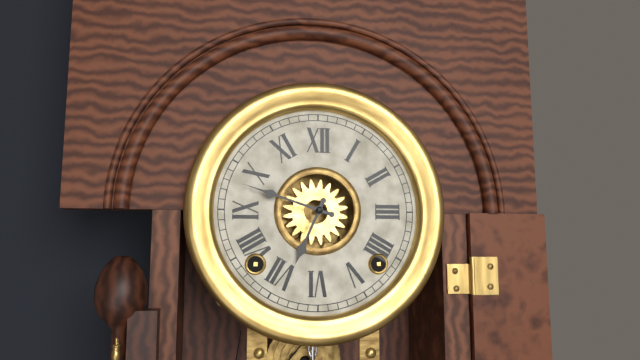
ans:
**6:48**
